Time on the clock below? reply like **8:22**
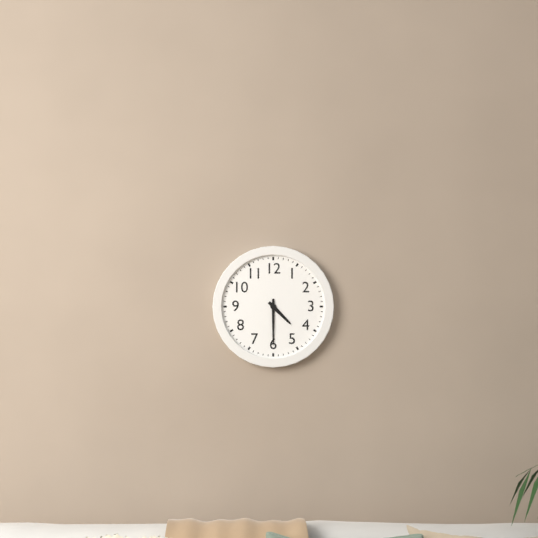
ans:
**4:30**
